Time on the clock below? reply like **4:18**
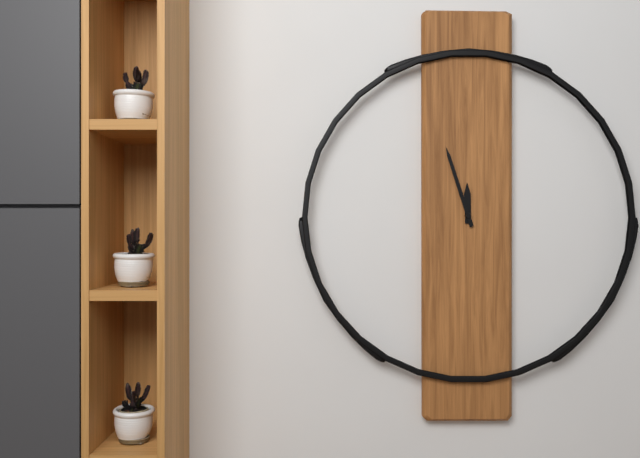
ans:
**11:57**
